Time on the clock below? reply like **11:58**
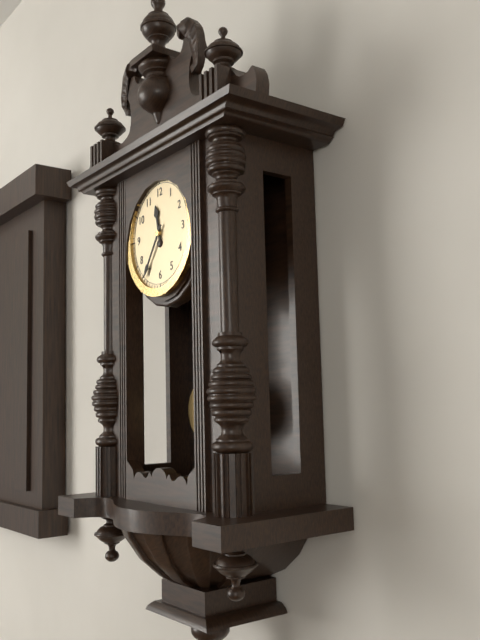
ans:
**11:36**
